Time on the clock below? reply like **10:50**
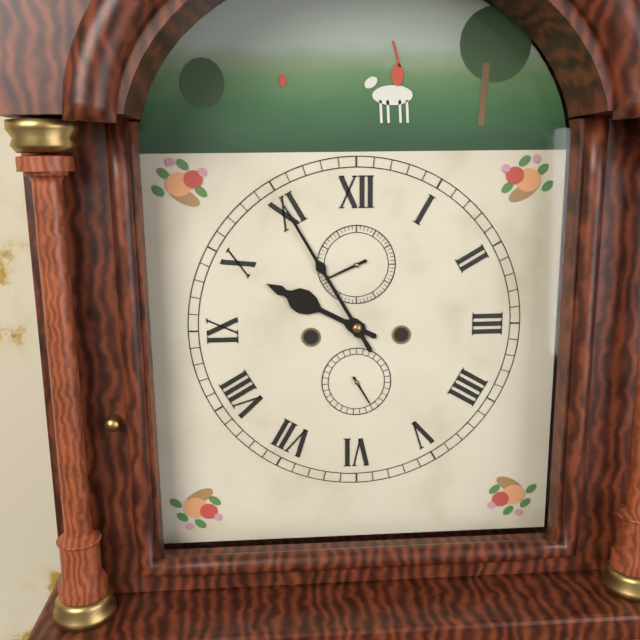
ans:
**9:55**
